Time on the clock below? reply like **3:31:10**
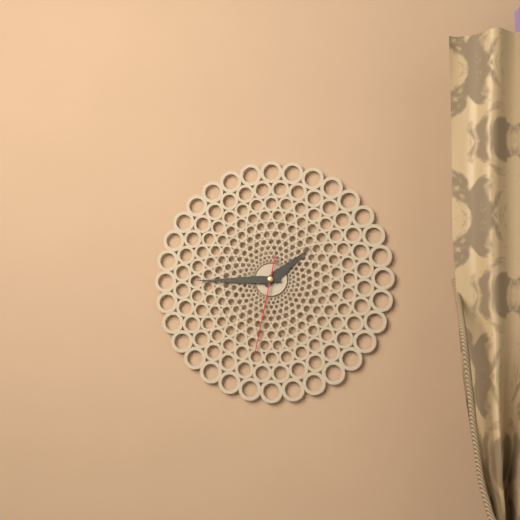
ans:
**1:45:32**
